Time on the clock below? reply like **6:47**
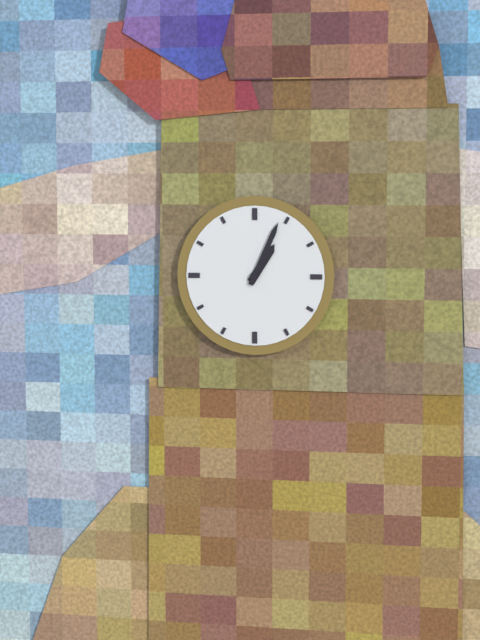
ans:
**1:04**
